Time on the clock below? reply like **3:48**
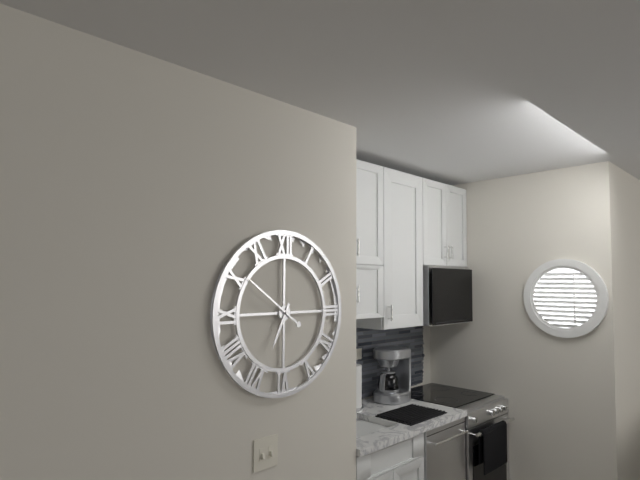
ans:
**6:51**
